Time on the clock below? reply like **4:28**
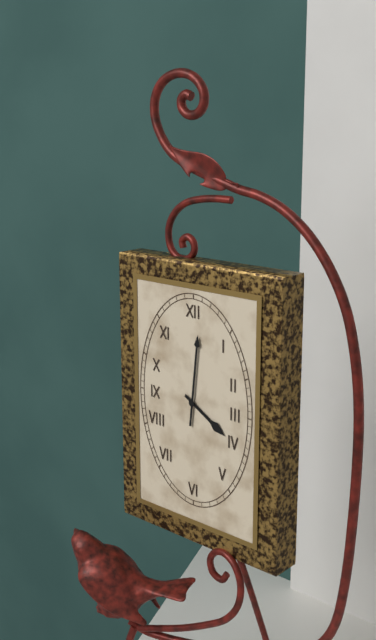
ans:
**4:01**
